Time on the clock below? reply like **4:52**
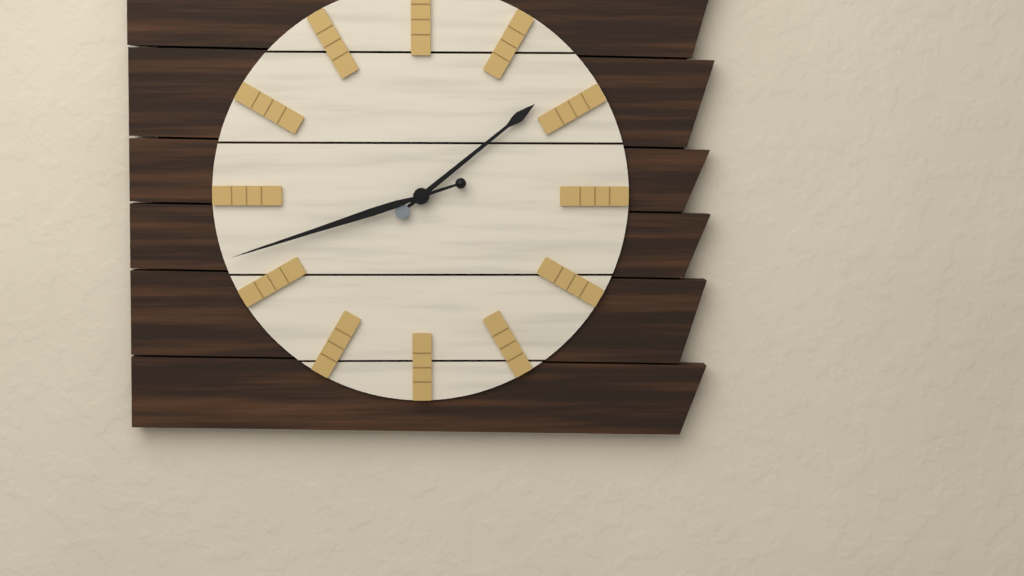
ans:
**1:42**
